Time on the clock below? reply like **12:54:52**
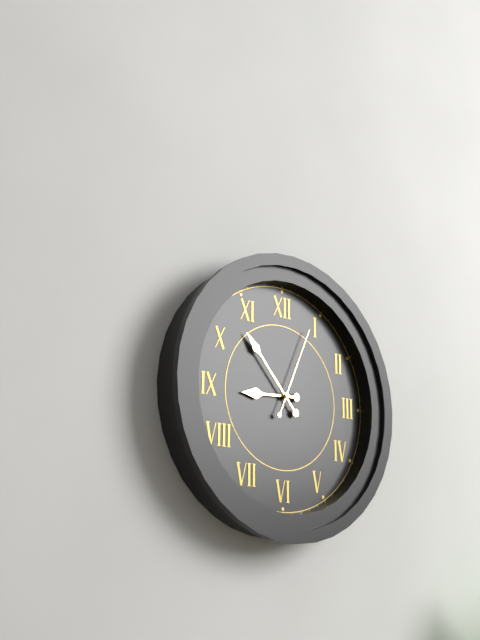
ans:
**8:53:04**
